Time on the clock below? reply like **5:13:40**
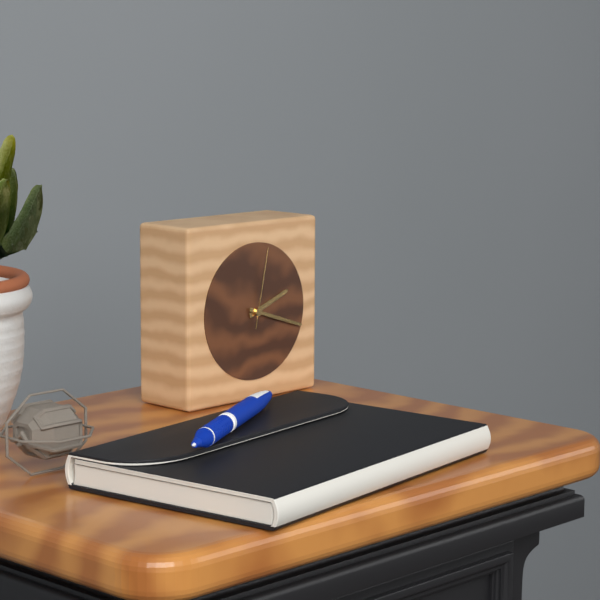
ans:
**2:18:02**
